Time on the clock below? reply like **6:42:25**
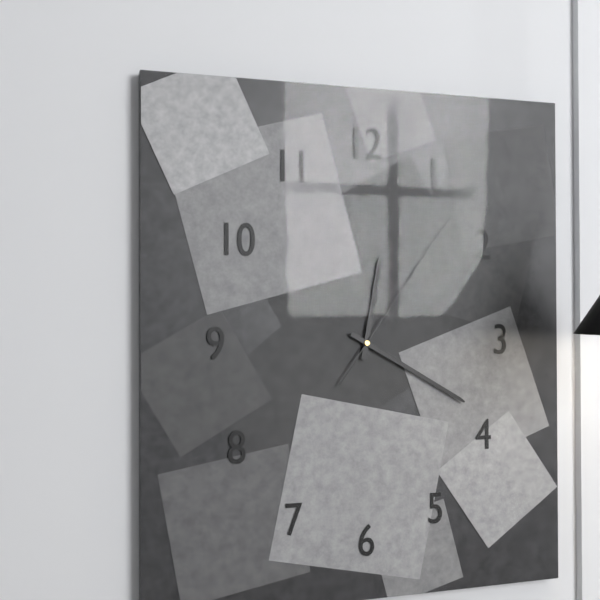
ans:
**12:20:06**
